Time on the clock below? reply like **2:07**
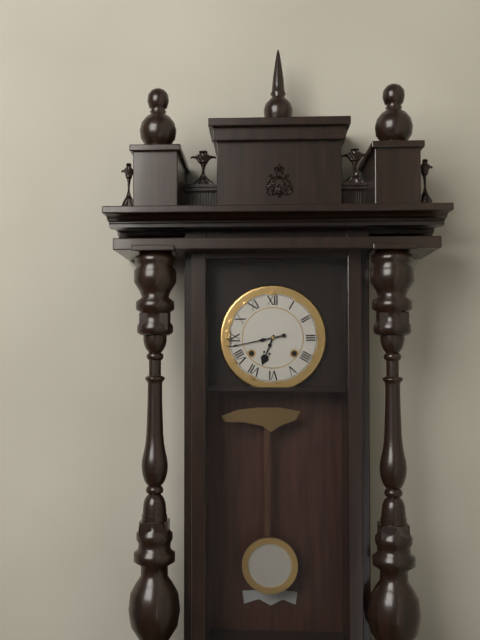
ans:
**6:43**
